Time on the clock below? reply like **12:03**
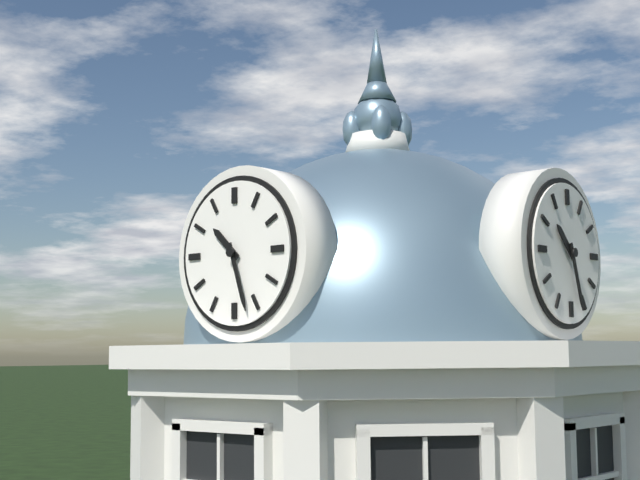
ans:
**10:27**
